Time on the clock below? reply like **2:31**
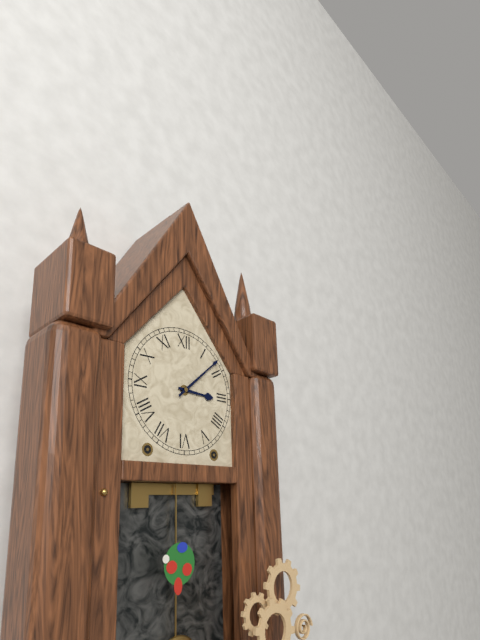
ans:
**3:08**
